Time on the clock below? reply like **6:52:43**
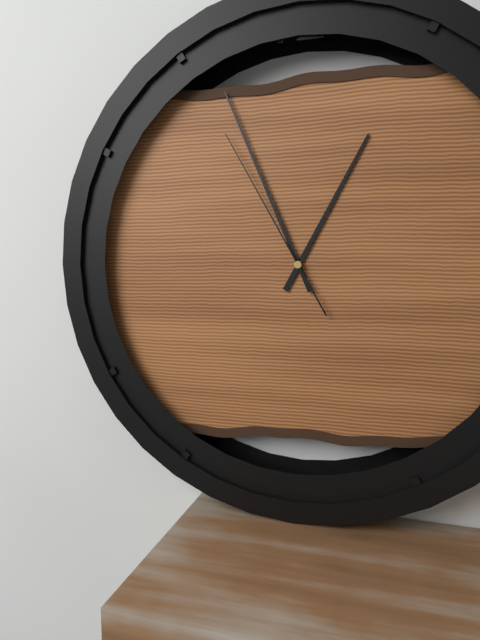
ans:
**12:56:55**
